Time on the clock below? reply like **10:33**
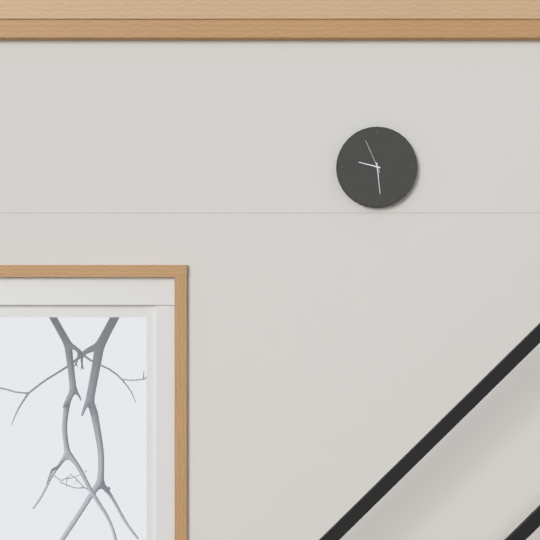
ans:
**9:29**
